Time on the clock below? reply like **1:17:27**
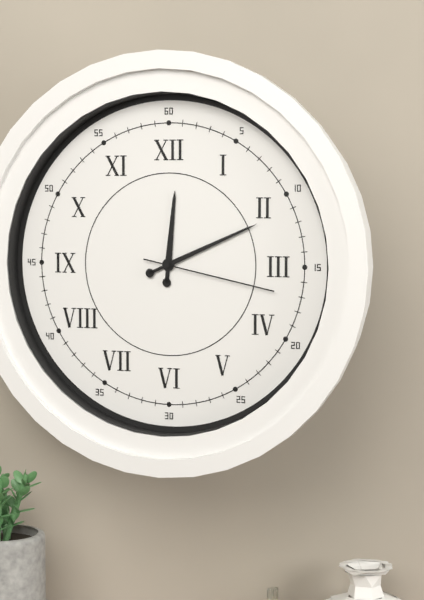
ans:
**12:11:17**
